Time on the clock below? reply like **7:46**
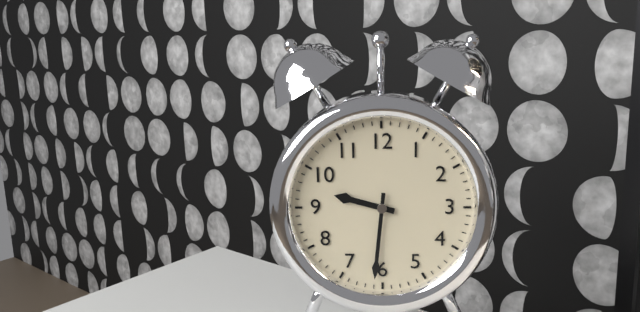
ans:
**9:31**
